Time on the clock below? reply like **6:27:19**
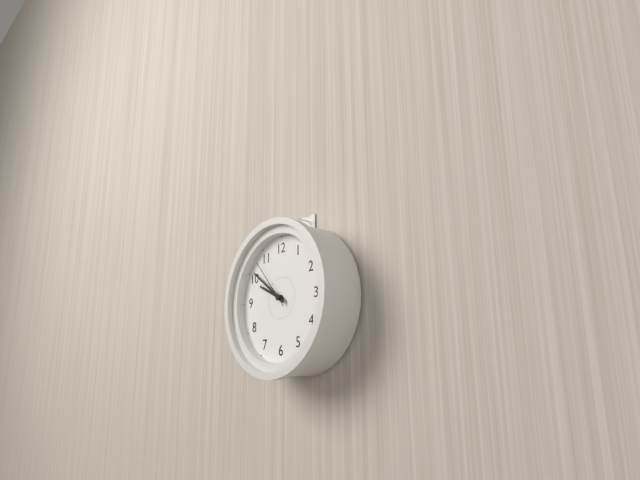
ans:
**9:51:53**
